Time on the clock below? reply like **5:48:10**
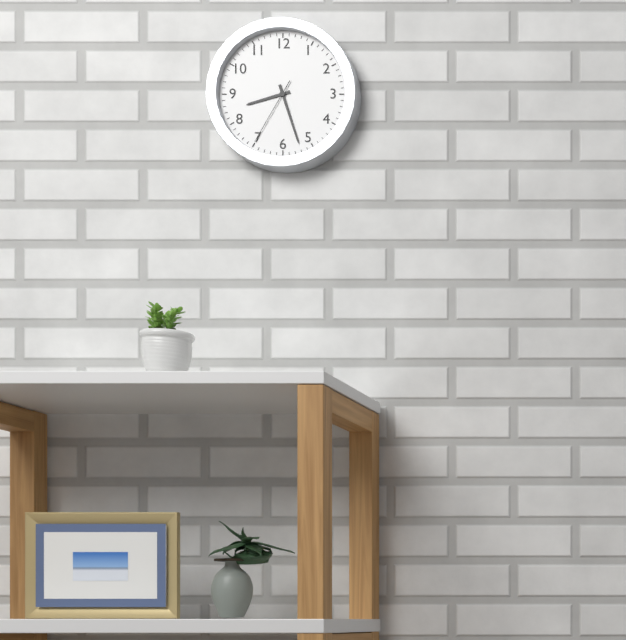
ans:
**8:27:35**
